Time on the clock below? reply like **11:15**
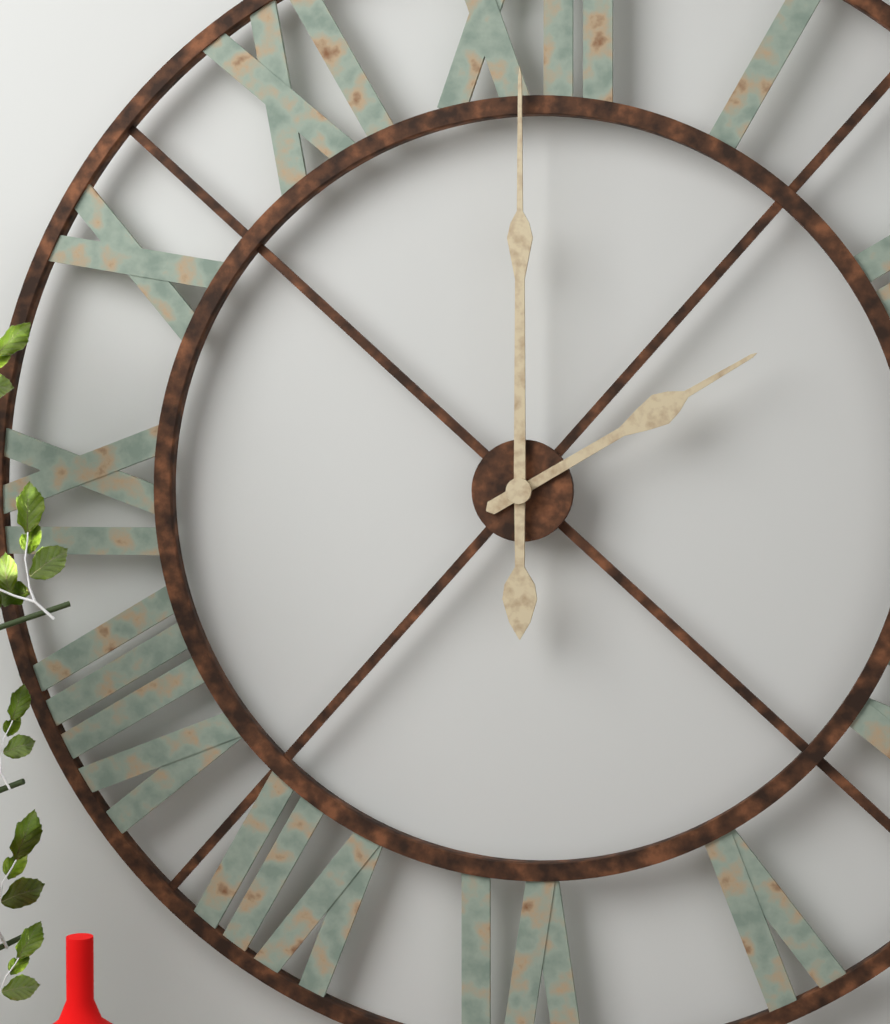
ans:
**2:00**
